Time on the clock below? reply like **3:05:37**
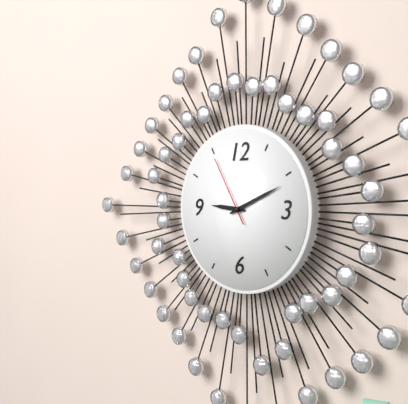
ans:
**9:11:55**
